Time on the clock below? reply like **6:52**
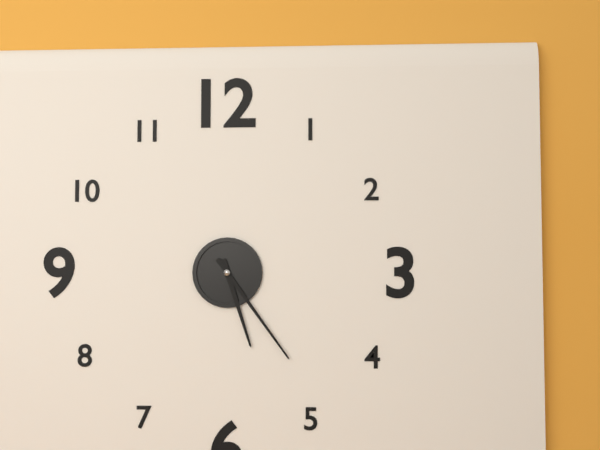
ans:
**5:24**
